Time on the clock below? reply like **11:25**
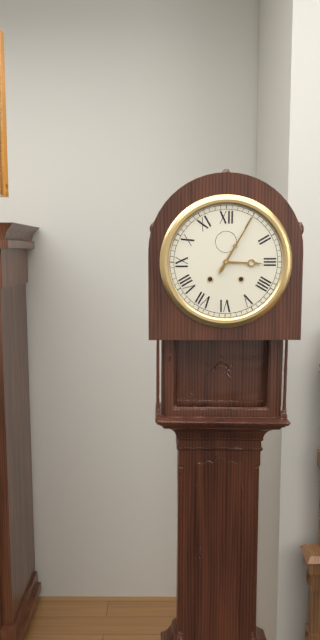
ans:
**3:05**
